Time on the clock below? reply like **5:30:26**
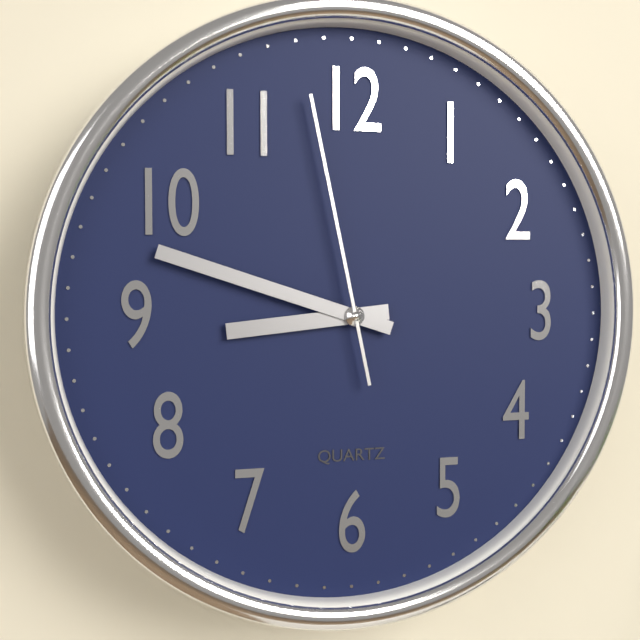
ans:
**8:48:58**
